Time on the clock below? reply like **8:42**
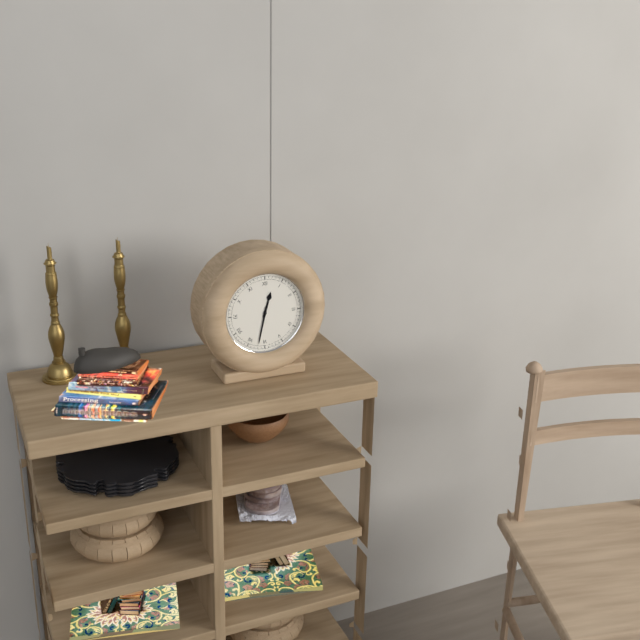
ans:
**12:32**
